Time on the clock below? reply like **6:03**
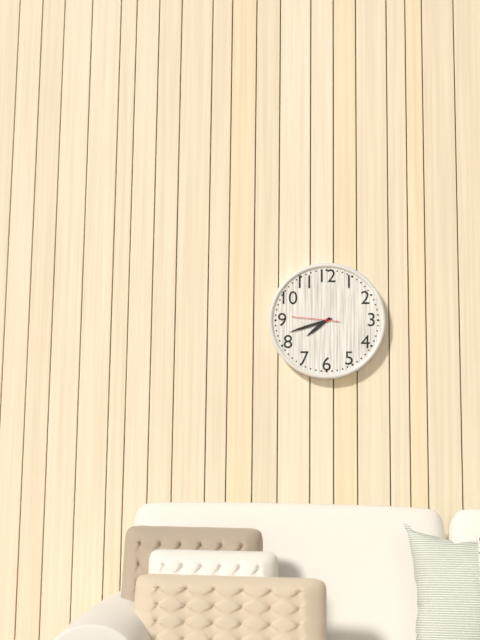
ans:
**7:42**
